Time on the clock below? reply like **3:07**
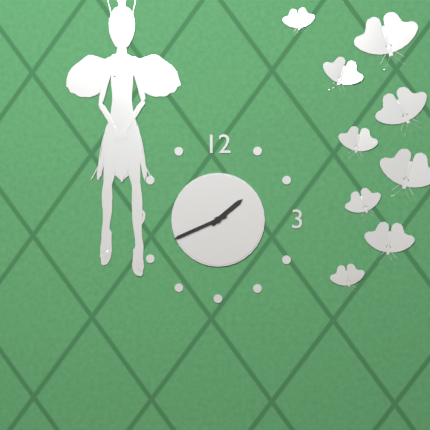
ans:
**1:41**
